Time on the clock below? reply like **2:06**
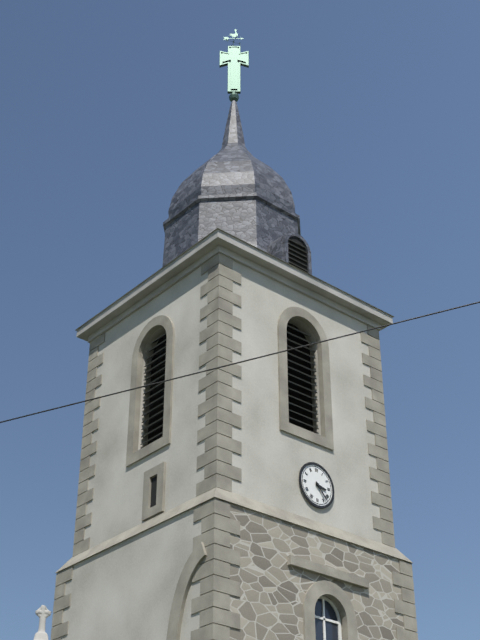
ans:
**3:23**
